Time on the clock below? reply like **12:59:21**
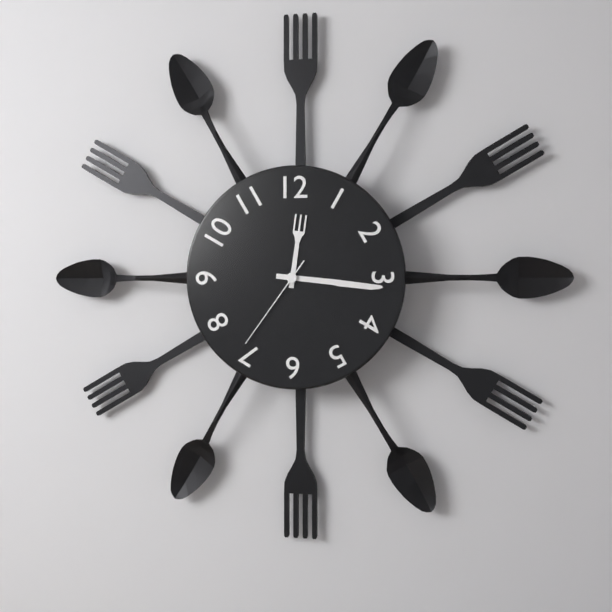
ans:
**12:16:36**
